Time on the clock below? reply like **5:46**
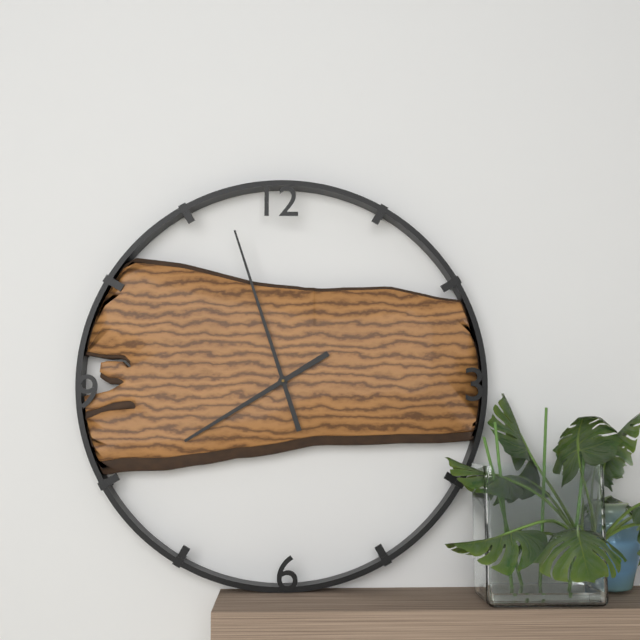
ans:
**7:57**
